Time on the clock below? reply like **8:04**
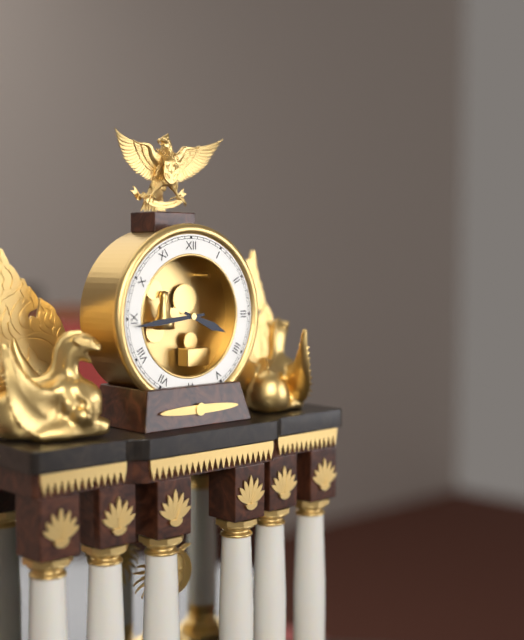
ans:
**3:44**
